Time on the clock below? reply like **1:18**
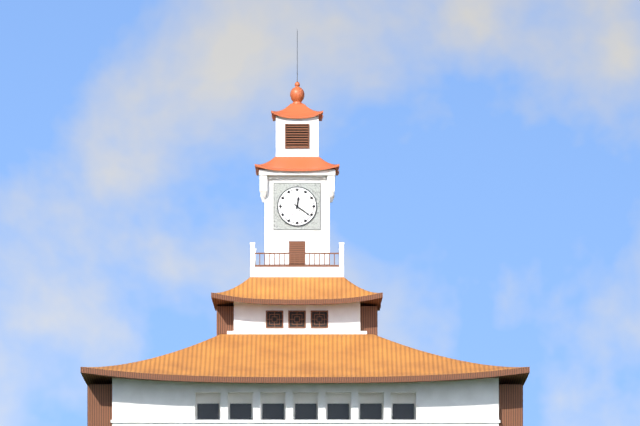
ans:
**12:21**
